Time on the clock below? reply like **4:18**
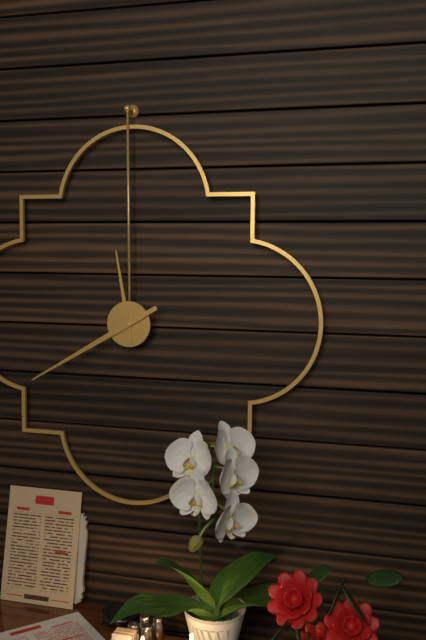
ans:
**11:40**
